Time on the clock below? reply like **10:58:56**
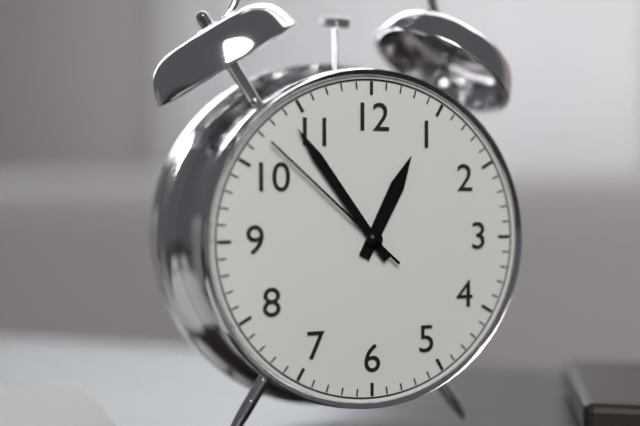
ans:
**12:54:52**
